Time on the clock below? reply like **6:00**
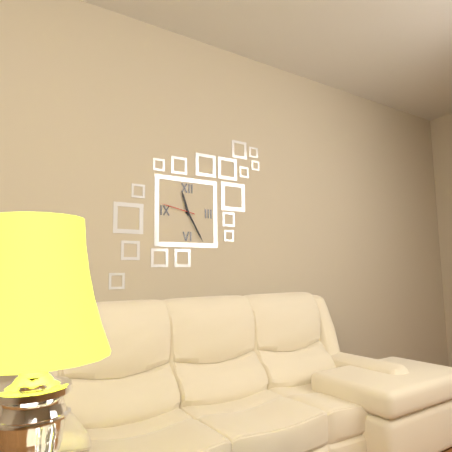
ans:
**11:25**
